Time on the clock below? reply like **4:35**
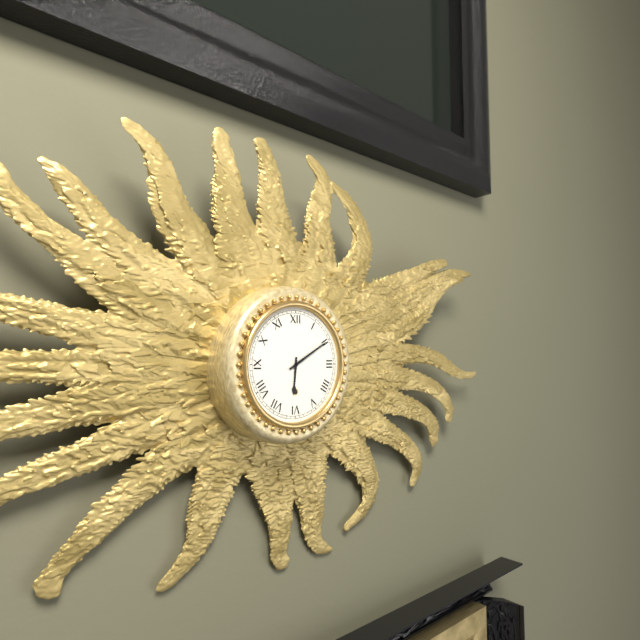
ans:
**6:10**
